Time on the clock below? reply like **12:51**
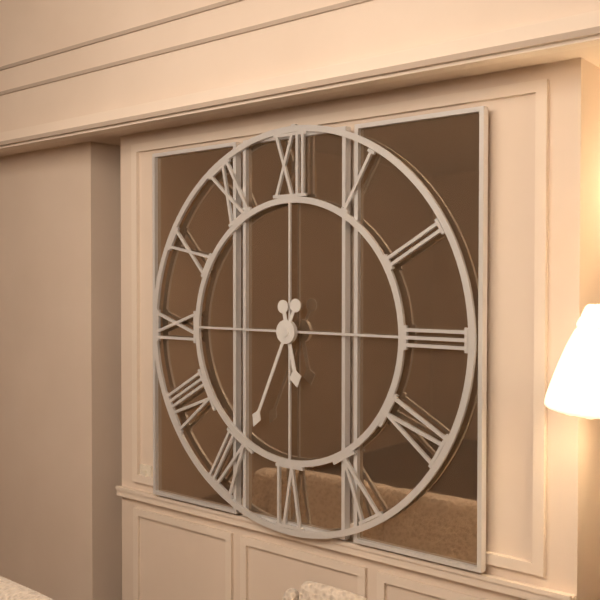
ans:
**5:34**
